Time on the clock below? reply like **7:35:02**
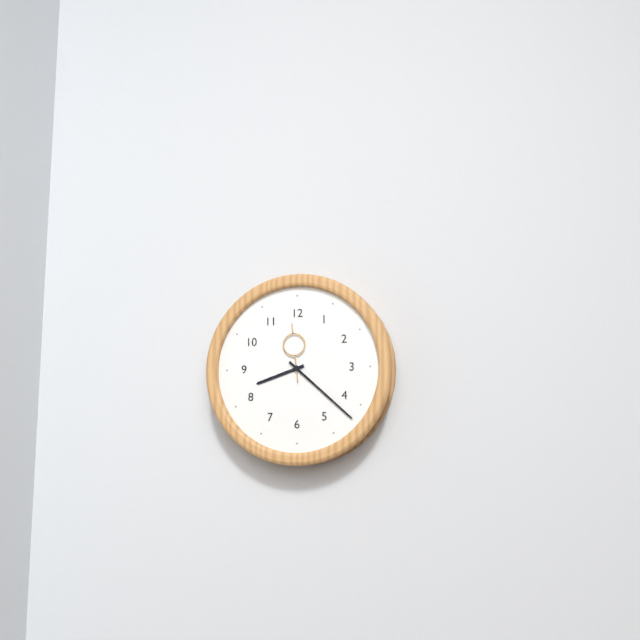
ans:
**8:22:59**
